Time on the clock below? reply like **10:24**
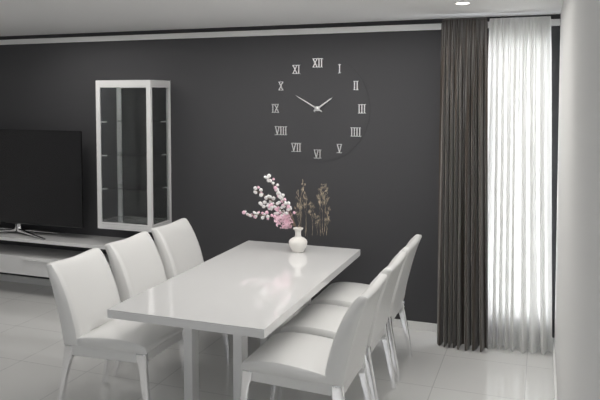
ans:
**1:50**
